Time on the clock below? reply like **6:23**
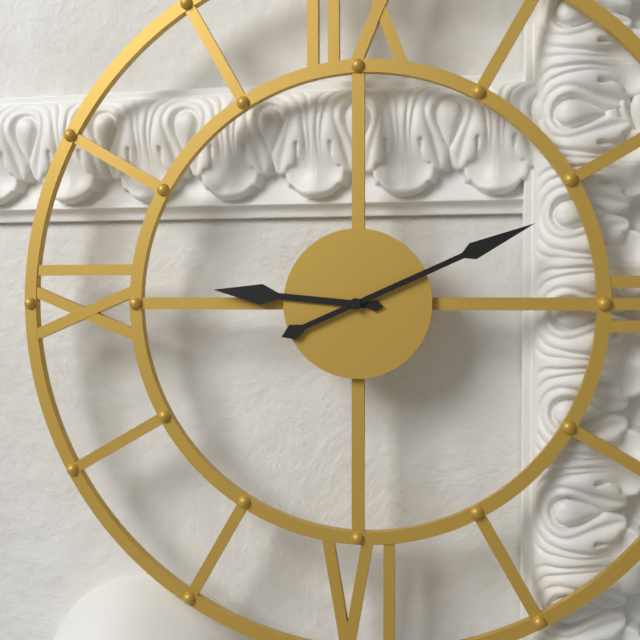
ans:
**9:11**
